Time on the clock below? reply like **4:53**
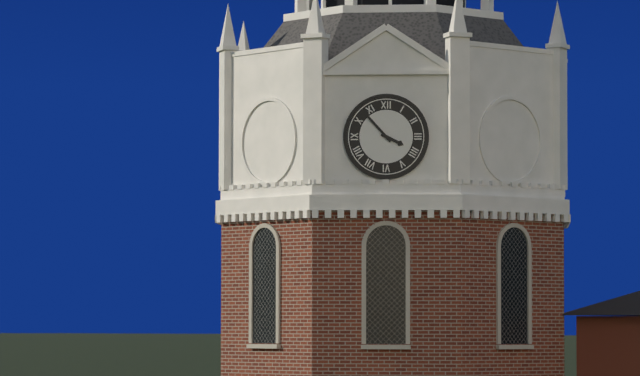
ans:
**3:53**
